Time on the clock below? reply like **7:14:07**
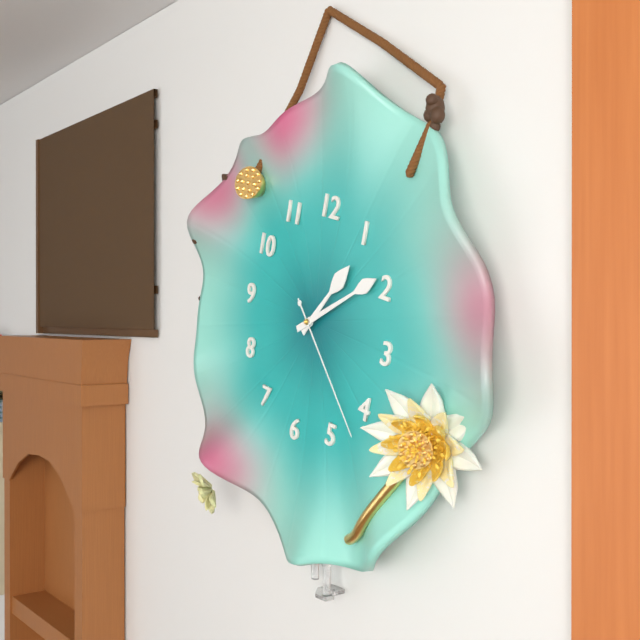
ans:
**1:09:22**
